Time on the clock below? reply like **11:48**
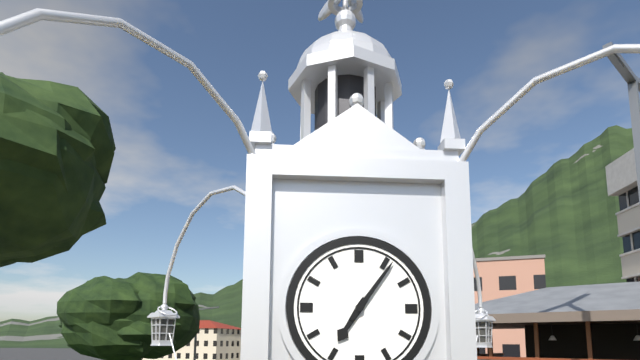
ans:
**7:06**
